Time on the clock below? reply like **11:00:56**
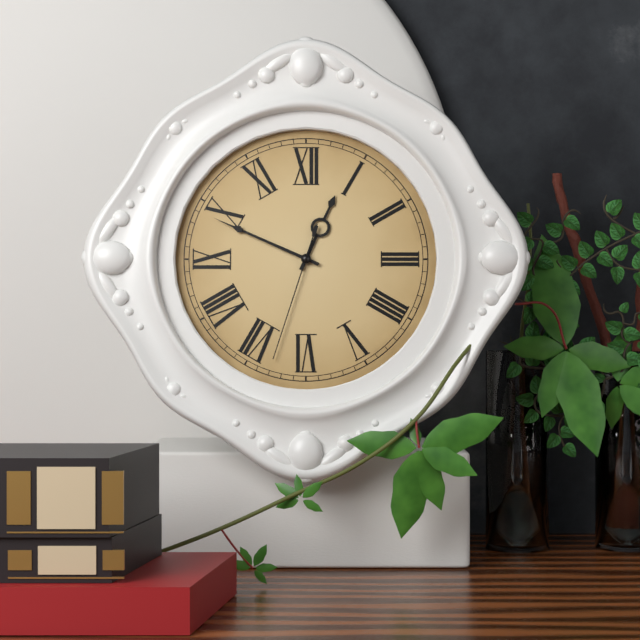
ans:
**12:49:33**
